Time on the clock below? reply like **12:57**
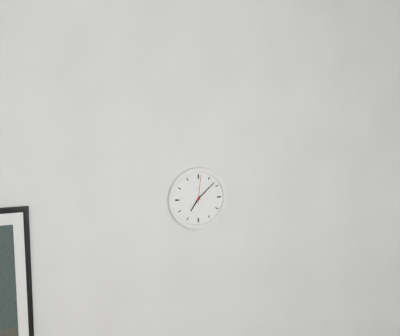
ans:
**7:08**
